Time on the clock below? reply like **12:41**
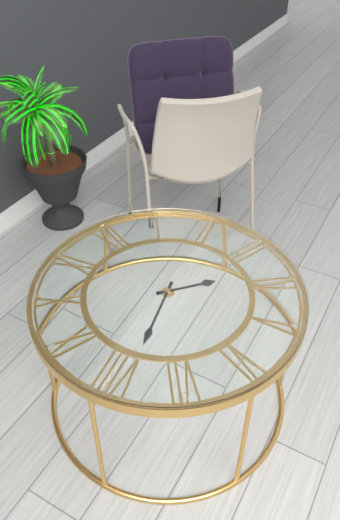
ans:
**3:39**
